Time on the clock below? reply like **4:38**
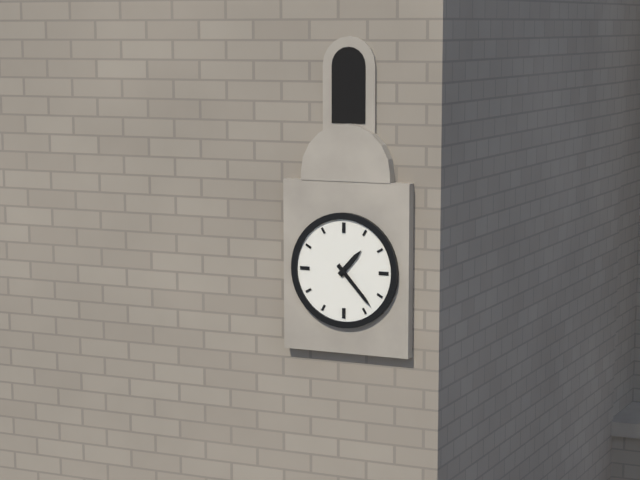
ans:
**1:23**
